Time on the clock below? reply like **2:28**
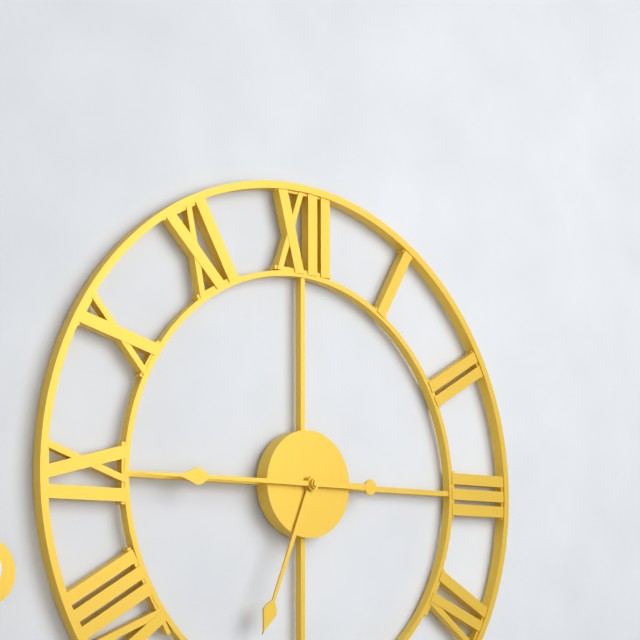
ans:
**6:45**
